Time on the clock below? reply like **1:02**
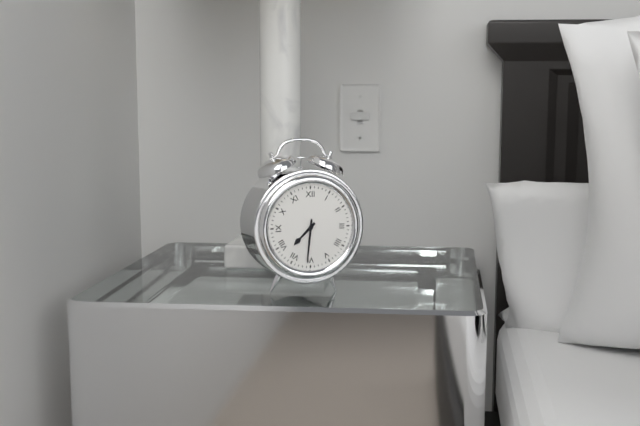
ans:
**7:31**
